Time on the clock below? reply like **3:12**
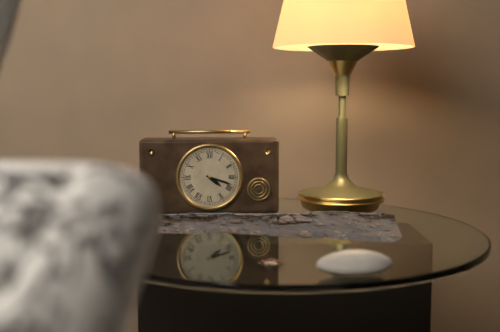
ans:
**4:18**
